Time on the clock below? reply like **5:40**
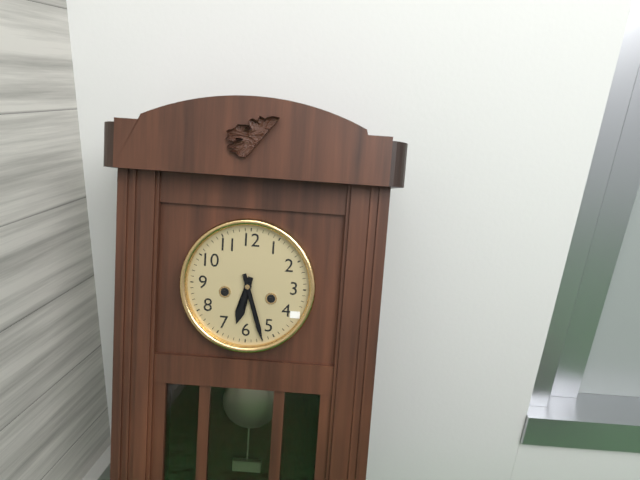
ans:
**6:27**
